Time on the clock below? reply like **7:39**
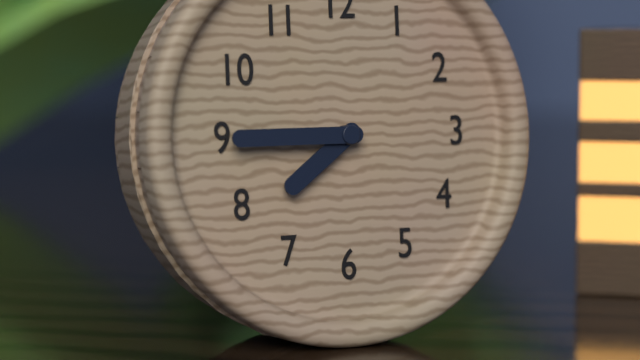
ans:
**7:45**
